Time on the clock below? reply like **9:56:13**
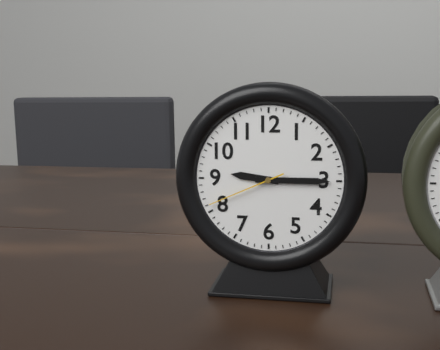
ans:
**9:15:41**
